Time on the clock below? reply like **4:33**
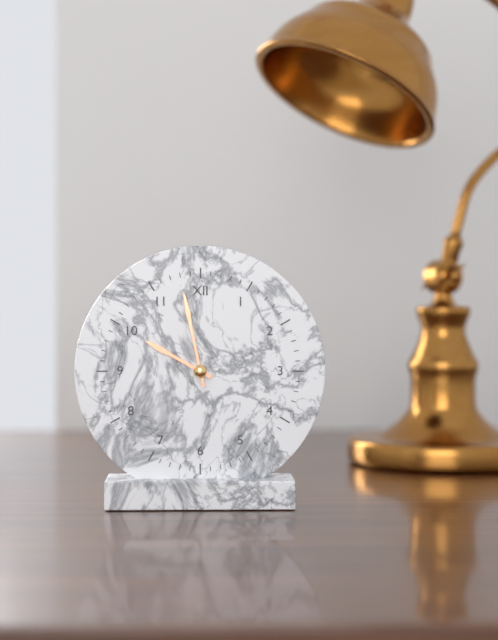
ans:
**9:58**
